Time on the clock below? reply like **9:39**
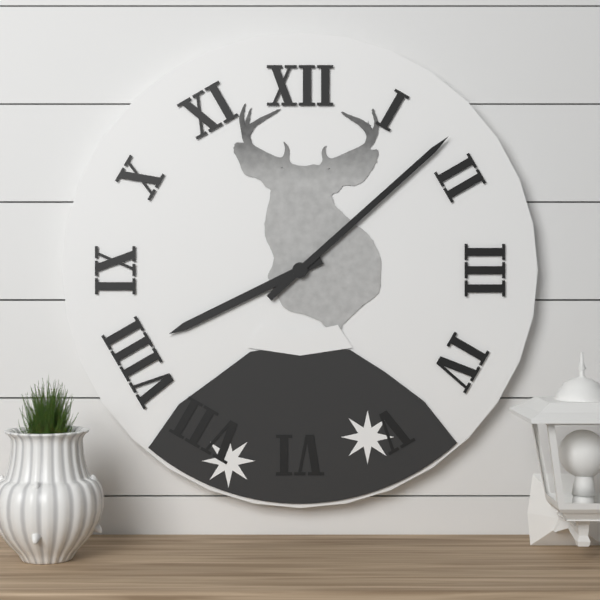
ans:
**8:08**
